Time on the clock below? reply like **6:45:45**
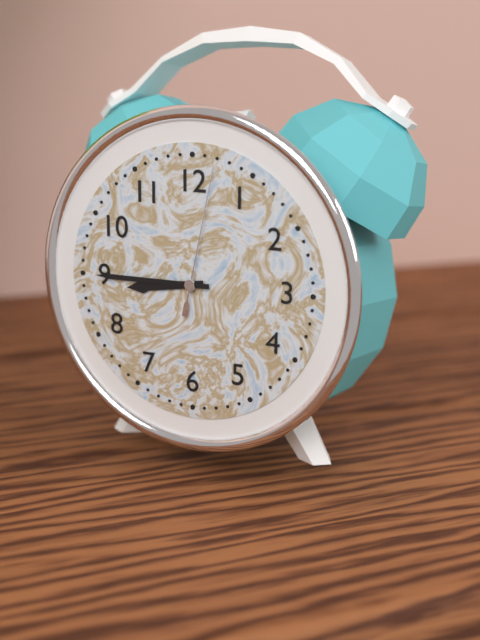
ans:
**8:45:02**
